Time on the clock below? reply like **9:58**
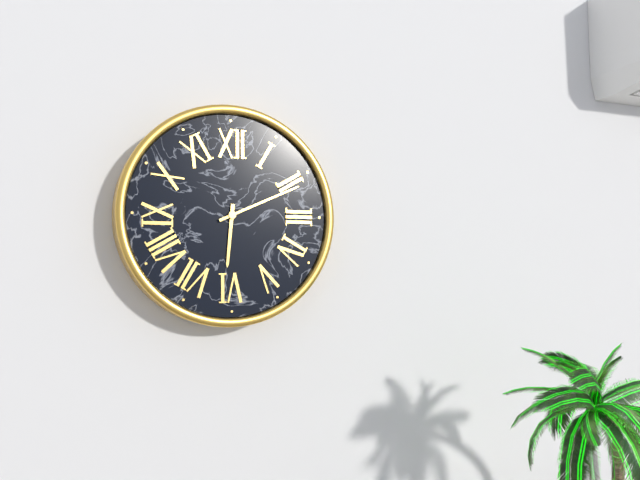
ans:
**6:11**
